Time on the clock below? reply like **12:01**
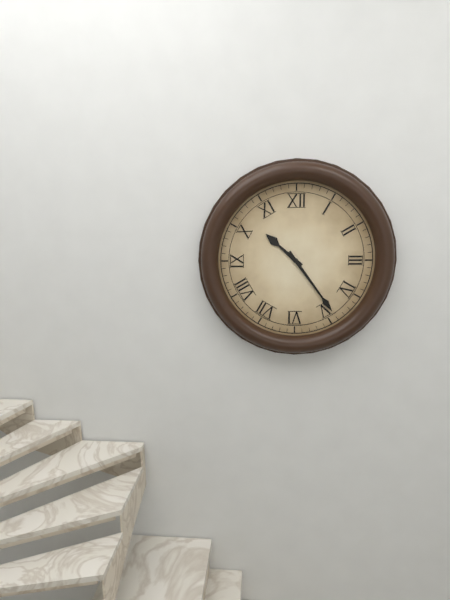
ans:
**10:24**
